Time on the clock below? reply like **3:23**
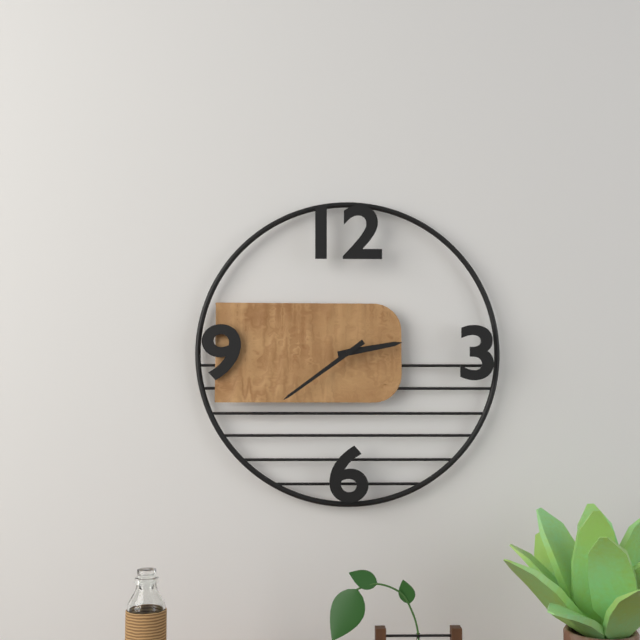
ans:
**2:39**
